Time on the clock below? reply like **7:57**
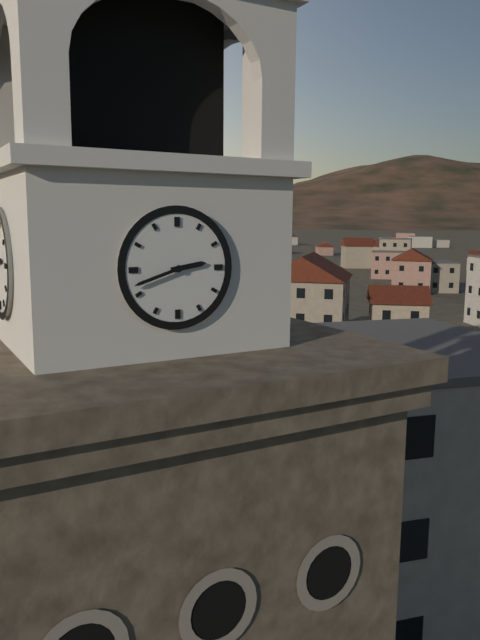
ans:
**2:42**
